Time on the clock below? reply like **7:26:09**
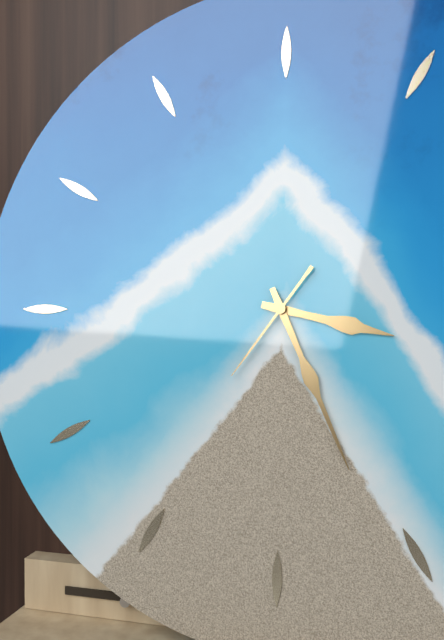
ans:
**3:26:36**
